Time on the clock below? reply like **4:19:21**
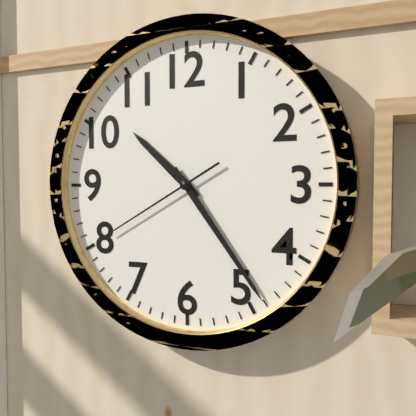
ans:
**10:24:40**
